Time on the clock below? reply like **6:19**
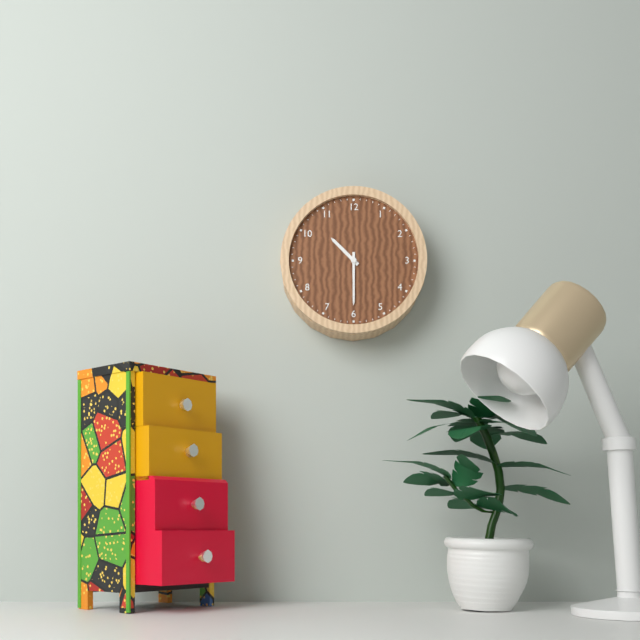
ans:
**10:30**
